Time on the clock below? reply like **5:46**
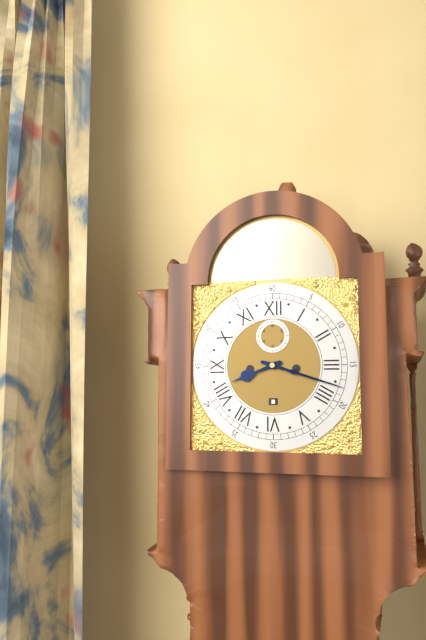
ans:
**8:18**
